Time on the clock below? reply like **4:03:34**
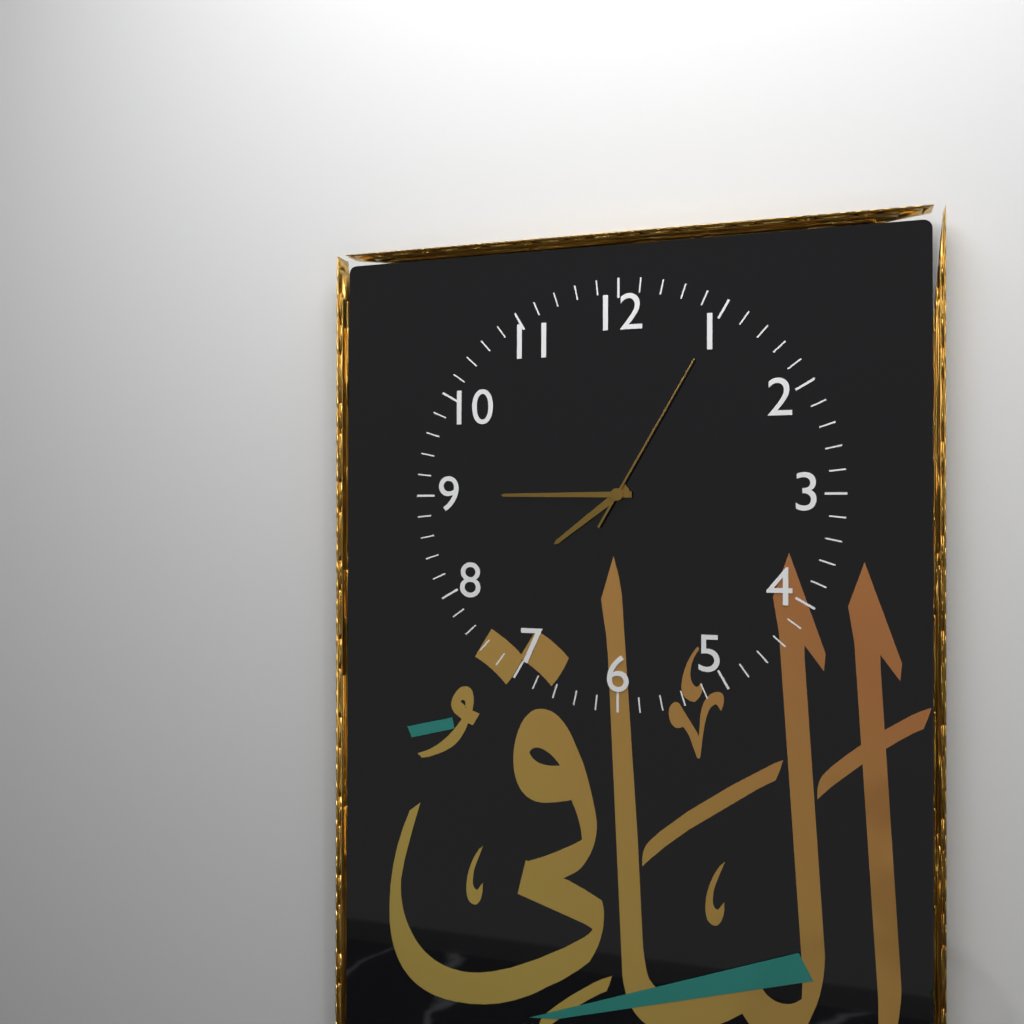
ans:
**7:45:05**
